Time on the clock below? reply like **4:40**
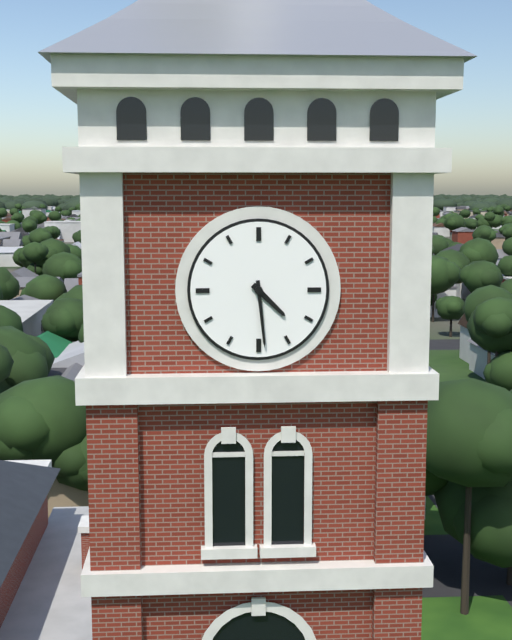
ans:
**4:29**
